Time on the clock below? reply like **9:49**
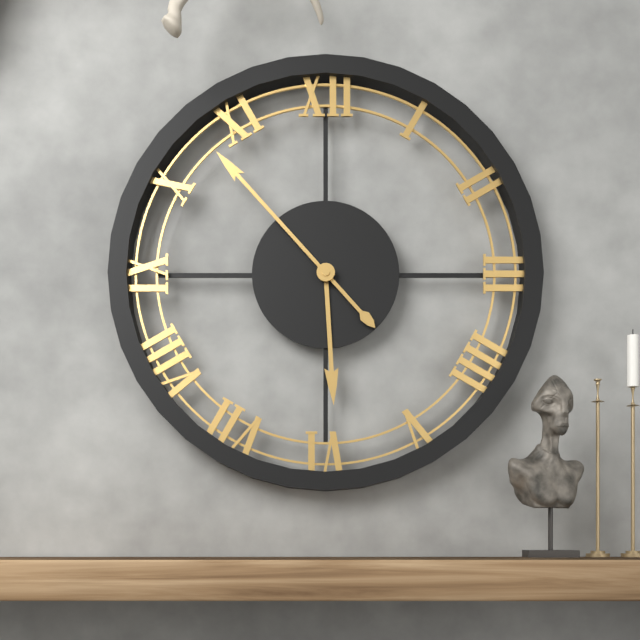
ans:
**5:53**
